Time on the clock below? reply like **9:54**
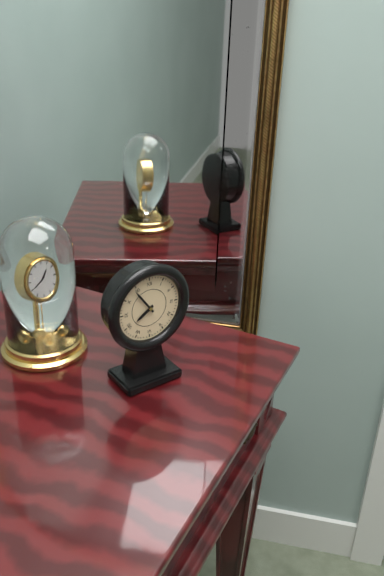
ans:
**7:54**
